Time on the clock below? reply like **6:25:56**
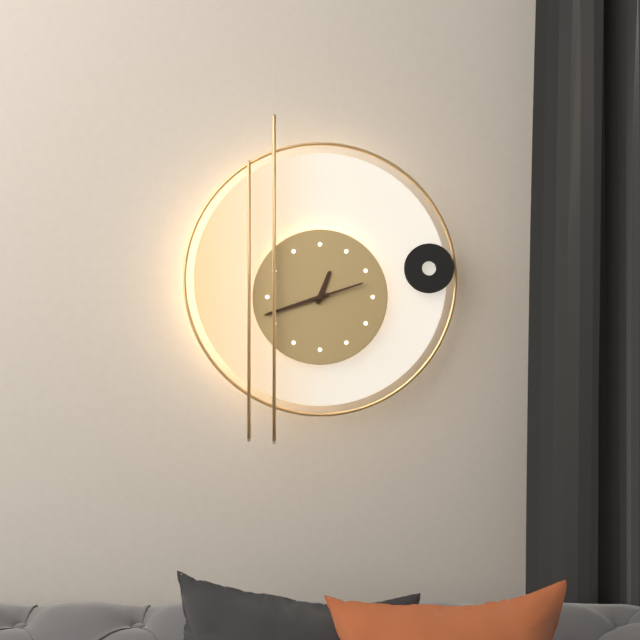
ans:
**12:42:12**
